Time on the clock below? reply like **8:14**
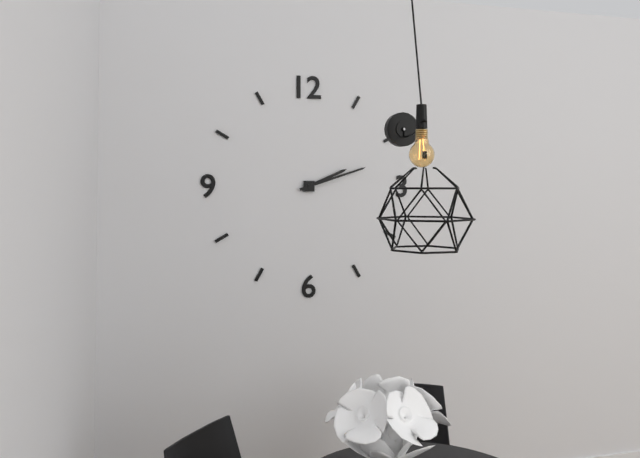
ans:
**2:12**
